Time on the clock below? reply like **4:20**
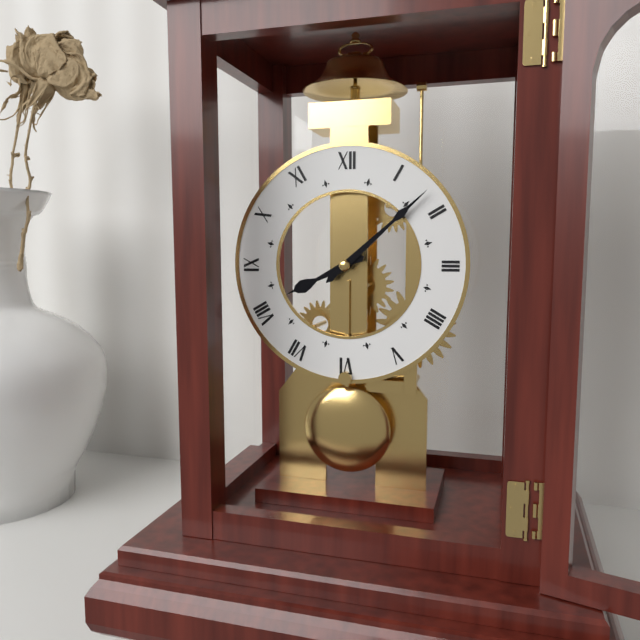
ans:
**8:08**
